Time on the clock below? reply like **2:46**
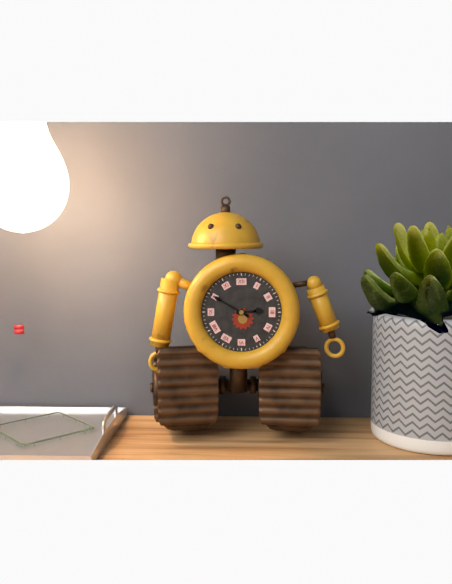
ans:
**2:50**
